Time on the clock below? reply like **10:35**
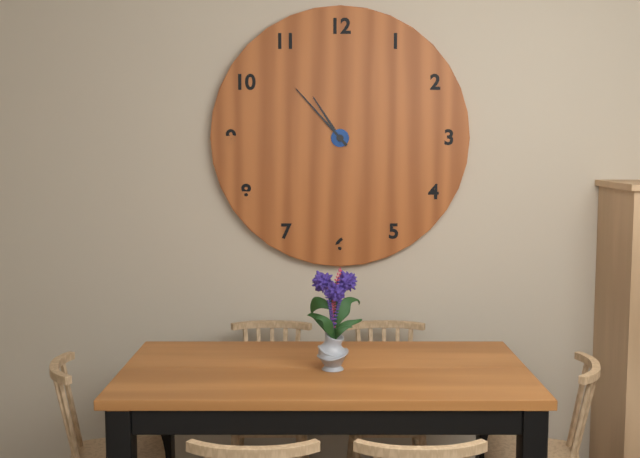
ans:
**10:53**
